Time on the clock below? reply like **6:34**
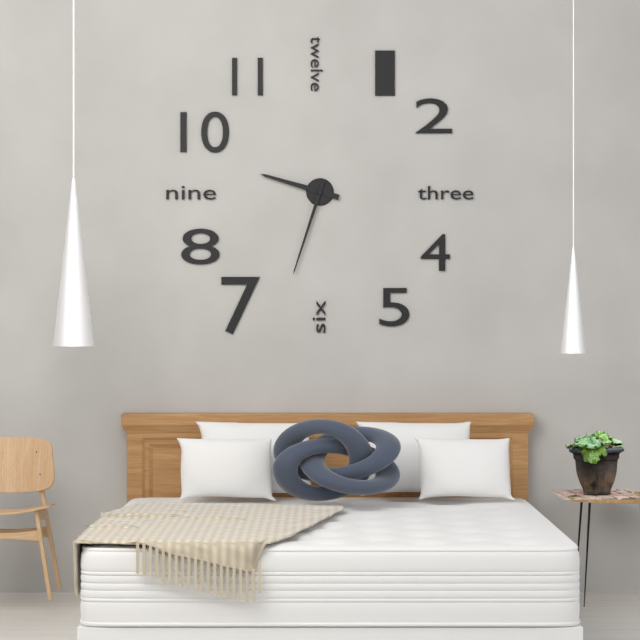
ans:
**9:33**
